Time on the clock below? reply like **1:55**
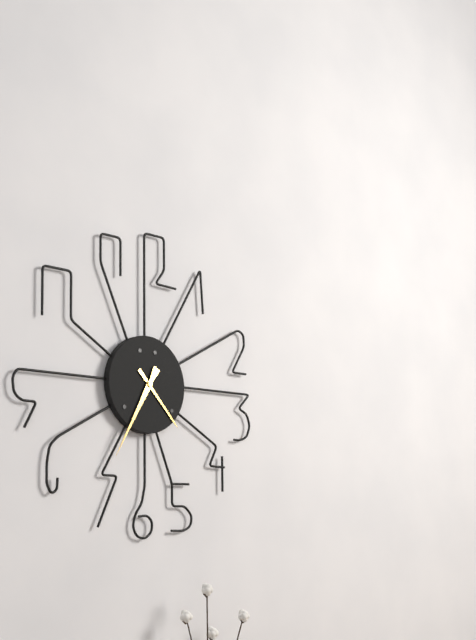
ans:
**4:35**
